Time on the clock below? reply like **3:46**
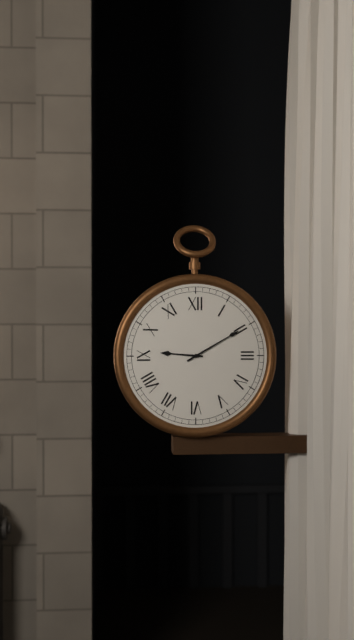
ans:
**9:10**
